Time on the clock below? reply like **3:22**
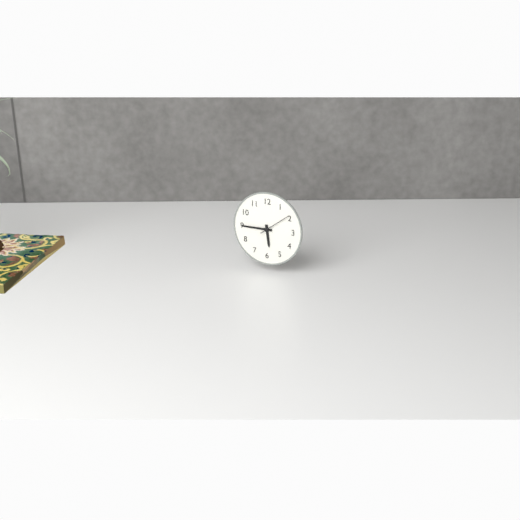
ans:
**5:45**
